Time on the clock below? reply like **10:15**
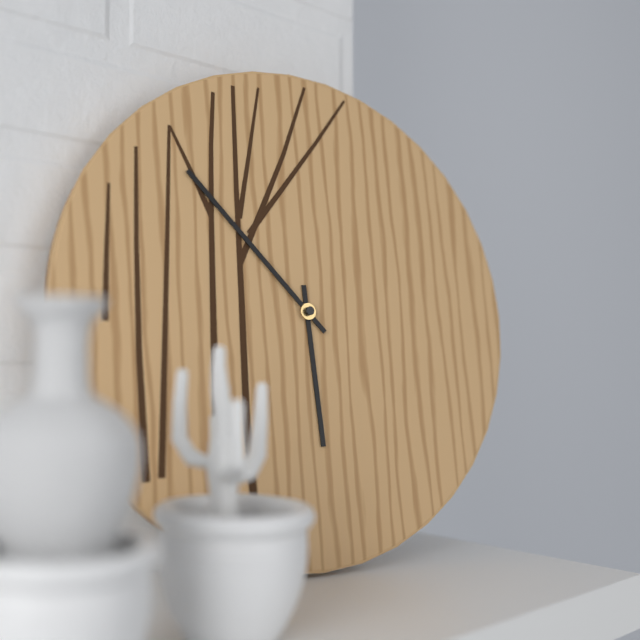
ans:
**5:53**
